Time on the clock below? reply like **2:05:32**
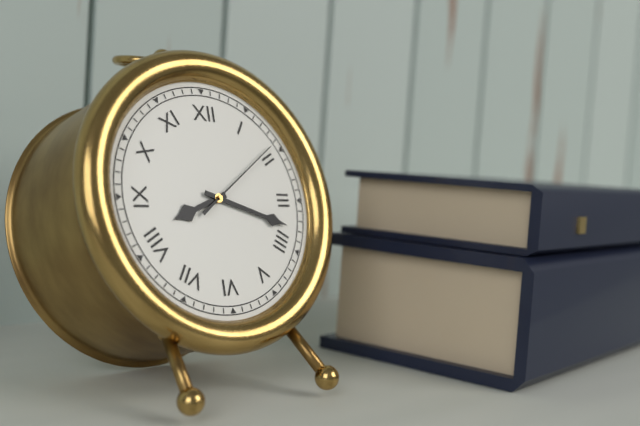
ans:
**8:18:09**
